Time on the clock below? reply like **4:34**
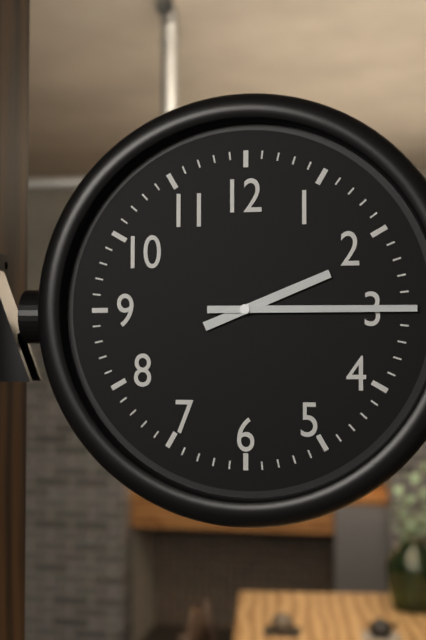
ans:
**2:15**
